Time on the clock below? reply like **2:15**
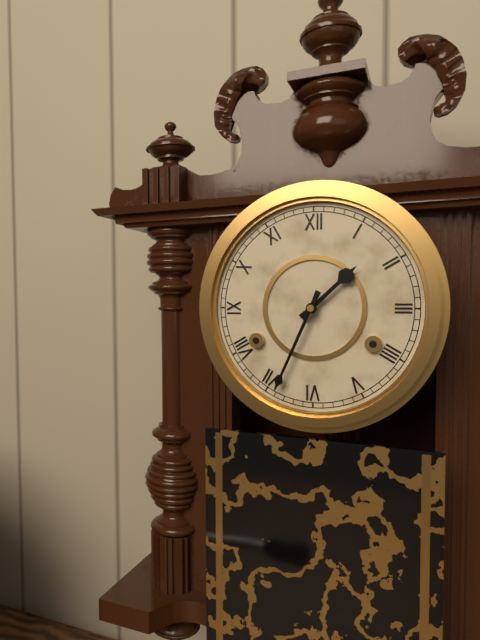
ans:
**1:34**
